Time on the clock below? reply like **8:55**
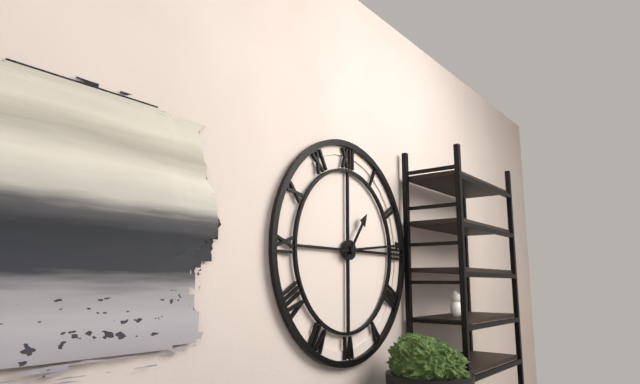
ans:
**1:14**
